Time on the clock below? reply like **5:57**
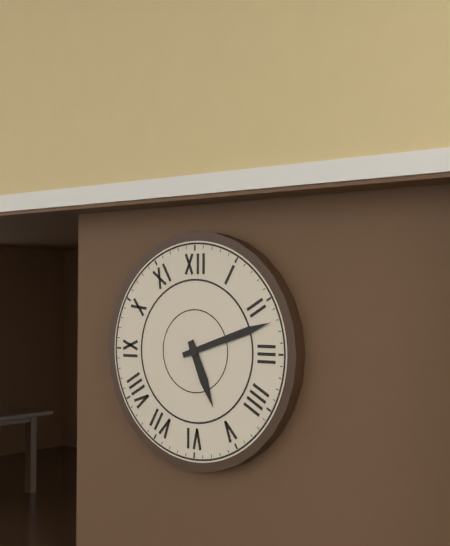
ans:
**5:12**
